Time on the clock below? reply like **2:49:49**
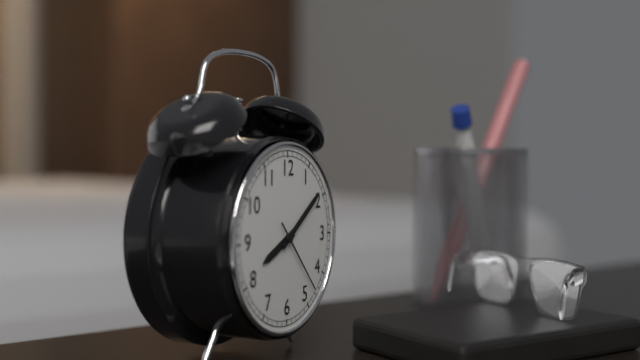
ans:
**8:09:23**
